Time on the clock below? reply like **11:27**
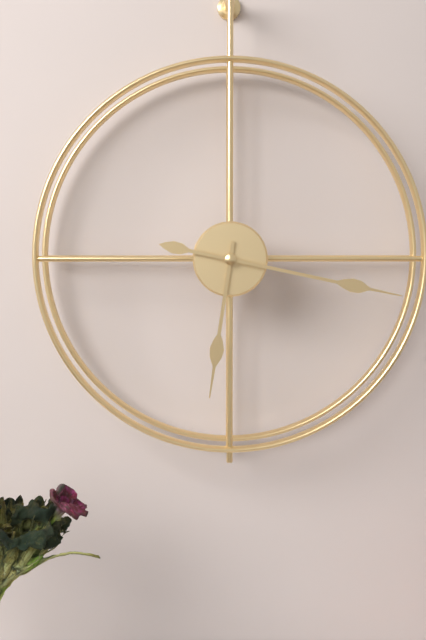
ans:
**6:17**
